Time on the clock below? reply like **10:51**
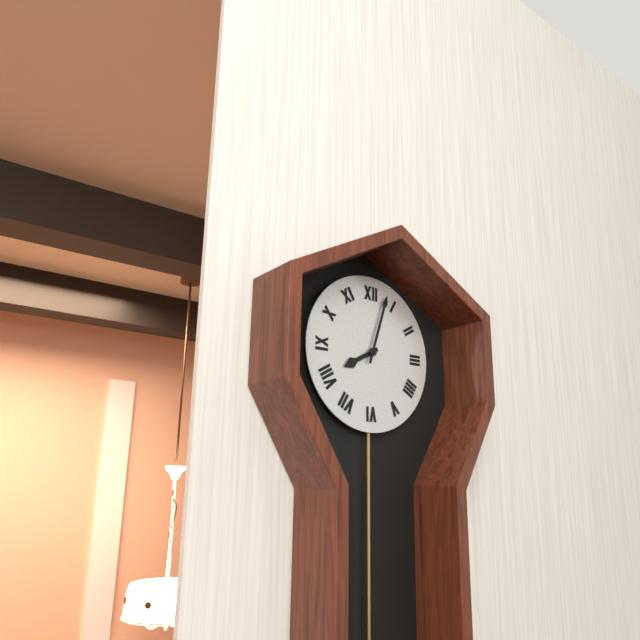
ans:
**8:03**
